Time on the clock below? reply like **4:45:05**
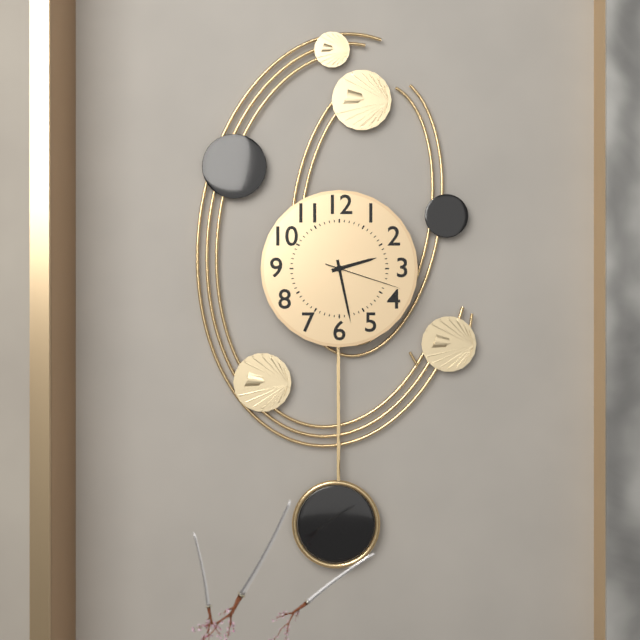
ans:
**2:28:18**
